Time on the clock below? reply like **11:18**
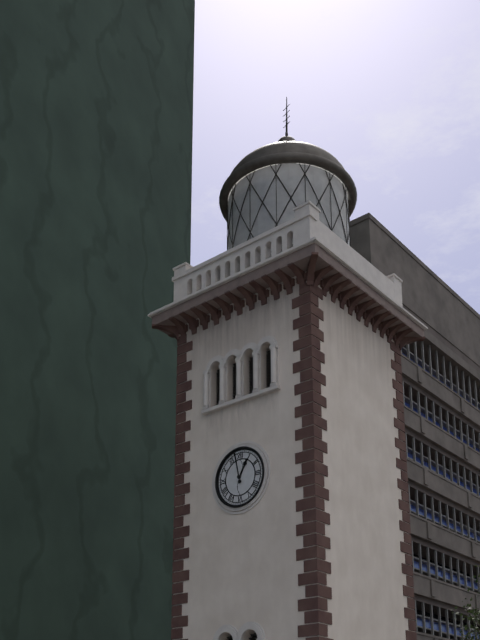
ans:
**12:58**
